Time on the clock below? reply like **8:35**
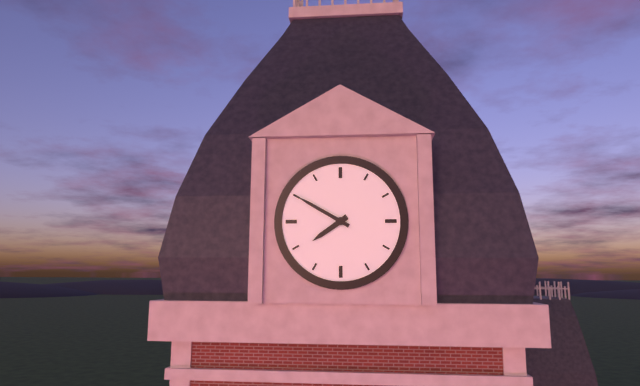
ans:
**7:50**
